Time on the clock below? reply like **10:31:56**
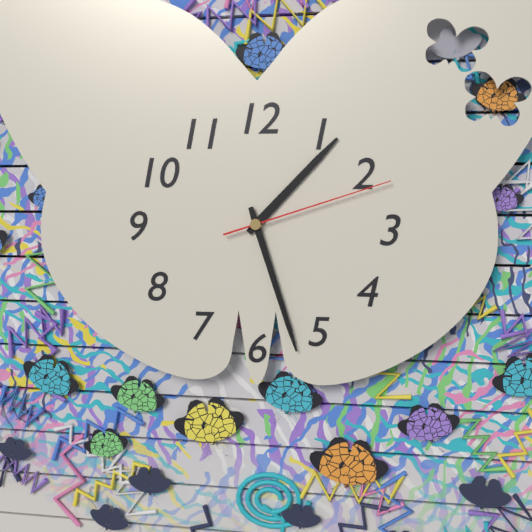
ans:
**1:27:12**
